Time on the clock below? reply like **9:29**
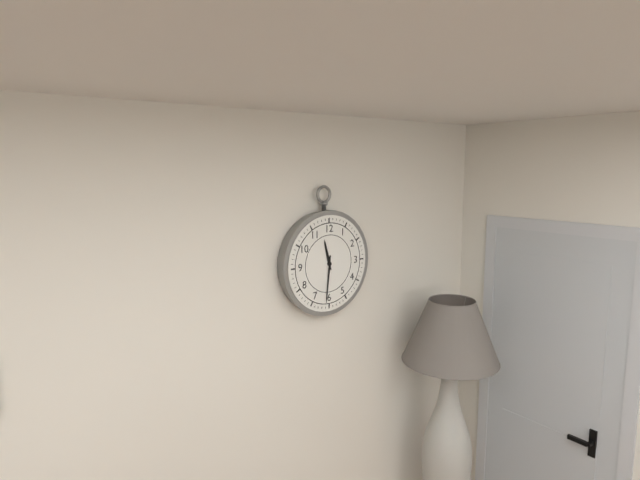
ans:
**11:31**
